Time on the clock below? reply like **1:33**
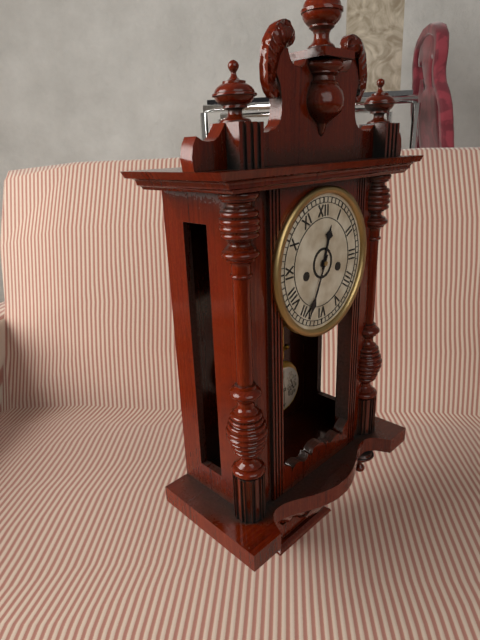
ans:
**12:34**
